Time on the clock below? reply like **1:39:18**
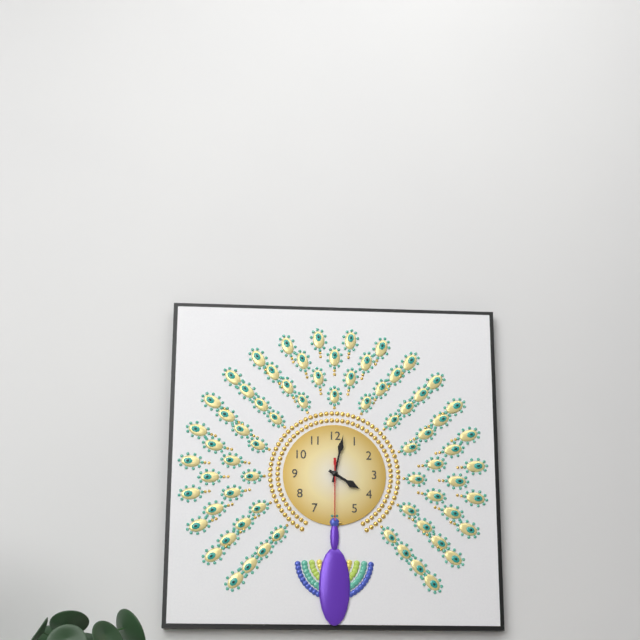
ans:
**4:02:30**
